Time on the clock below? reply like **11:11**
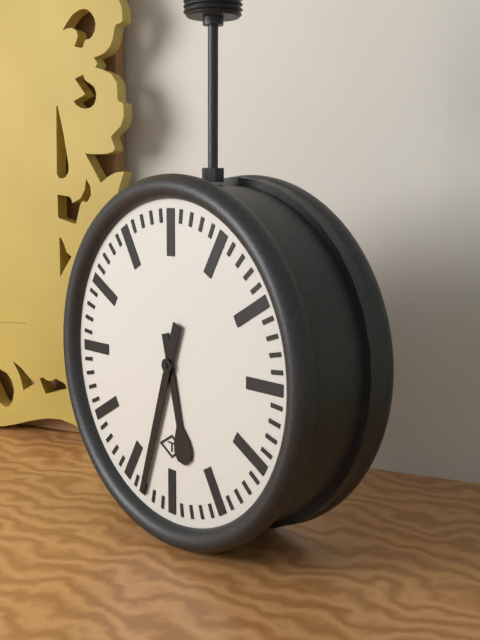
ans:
**5:33**
